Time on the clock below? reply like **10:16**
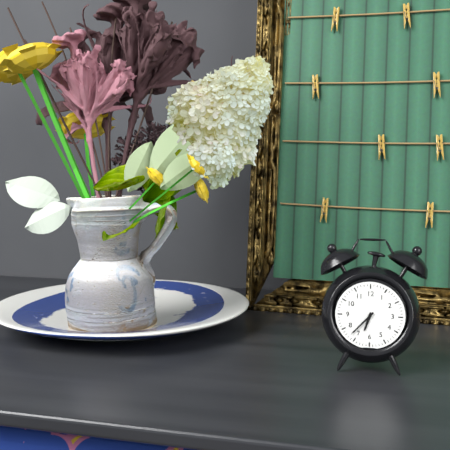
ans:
**6:37**
